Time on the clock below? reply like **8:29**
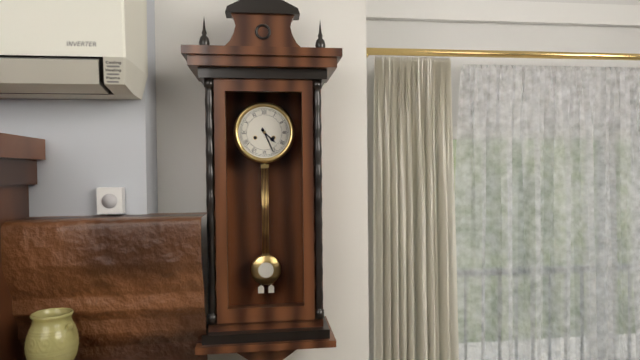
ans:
**4:26**
